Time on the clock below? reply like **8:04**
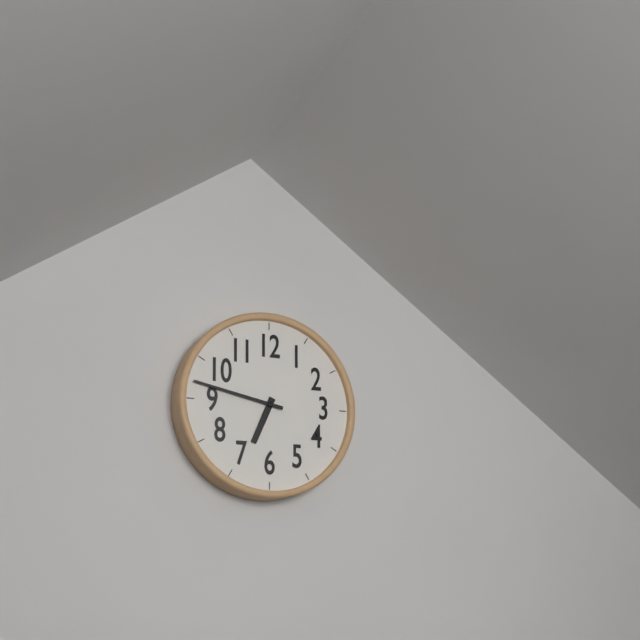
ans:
**6:47**
